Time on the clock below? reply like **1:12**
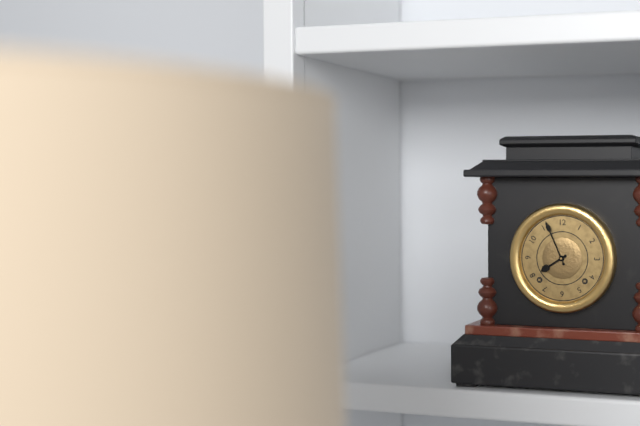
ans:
**7:56**
